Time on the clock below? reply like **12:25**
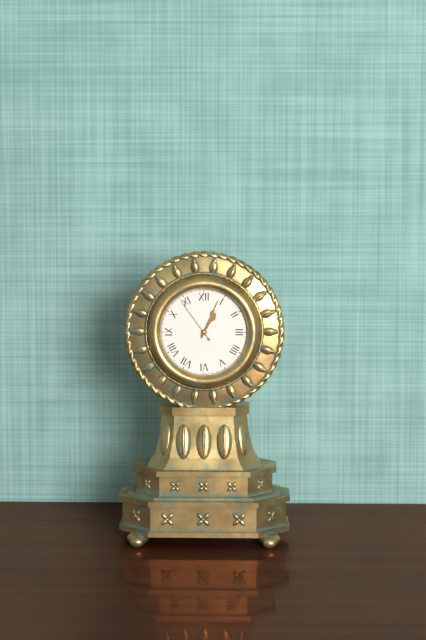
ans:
**1:04**
